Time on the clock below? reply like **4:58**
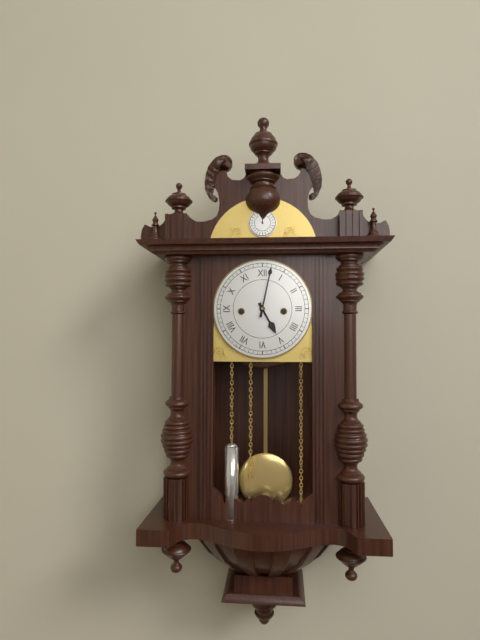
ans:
**5:02**
